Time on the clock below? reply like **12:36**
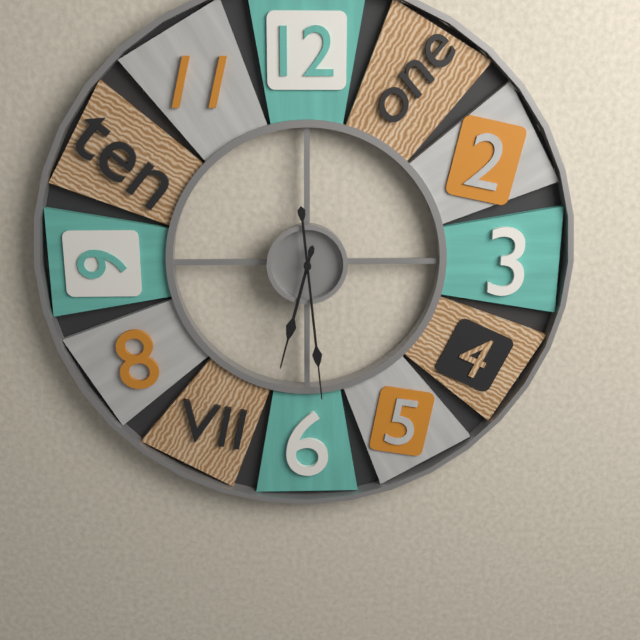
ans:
**6:29**
